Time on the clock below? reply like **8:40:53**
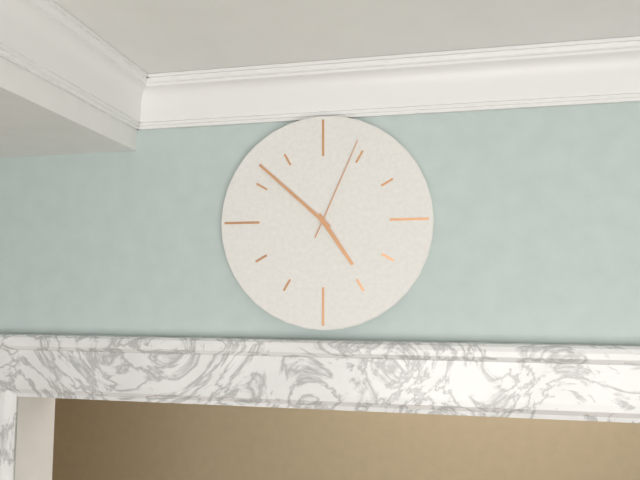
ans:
**4:52:04**
